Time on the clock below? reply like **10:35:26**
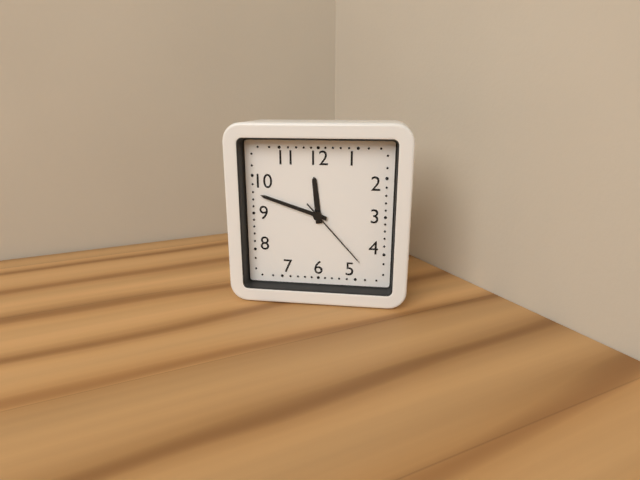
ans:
**11:48:23**
